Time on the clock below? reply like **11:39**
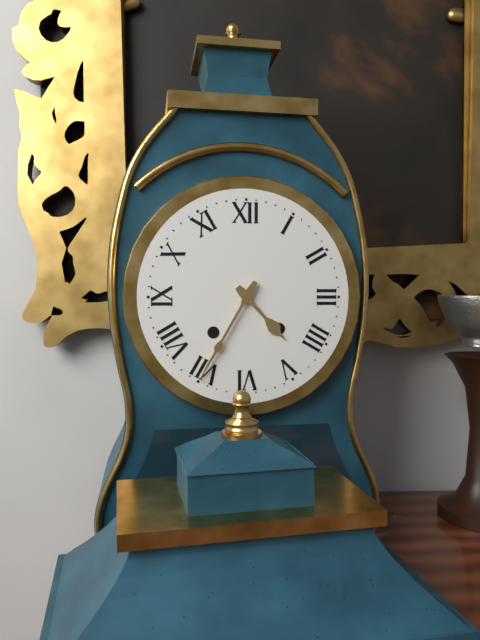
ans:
**4:35**
